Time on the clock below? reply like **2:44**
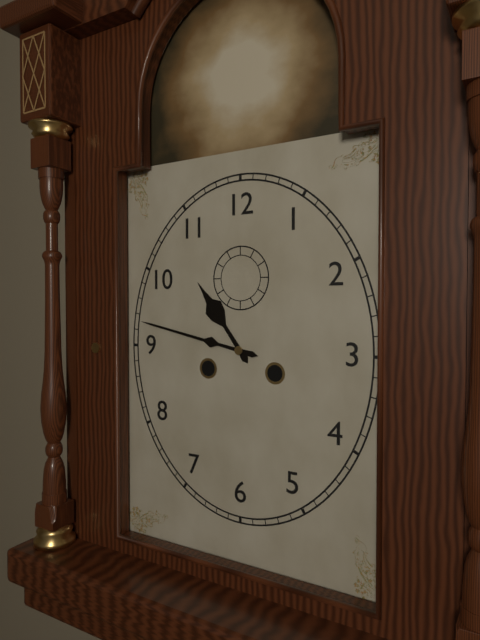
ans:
**10:47**
